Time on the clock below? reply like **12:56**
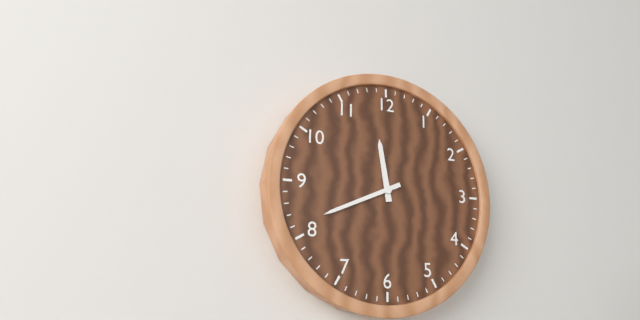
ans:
**11:41**
